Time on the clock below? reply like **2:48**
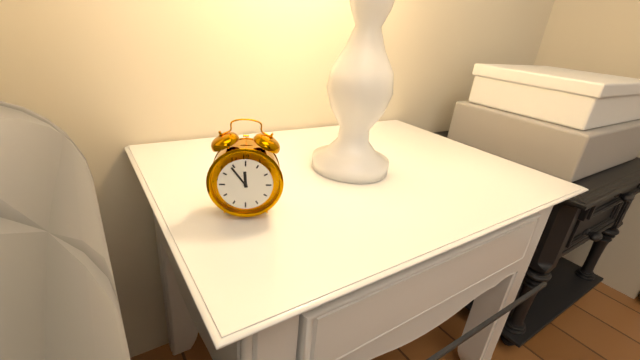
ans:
**11:54**
